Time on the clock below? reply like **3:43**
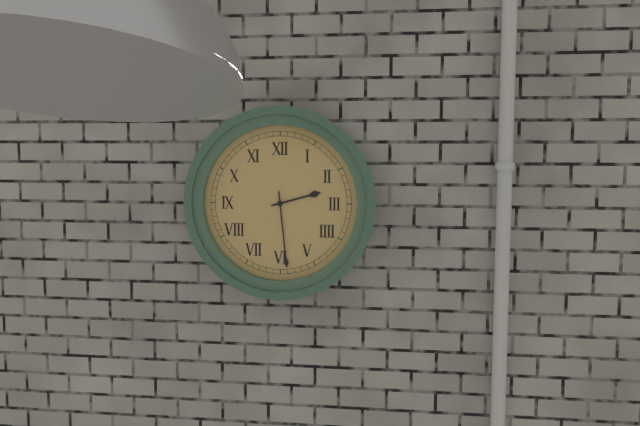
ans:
**2:29**
